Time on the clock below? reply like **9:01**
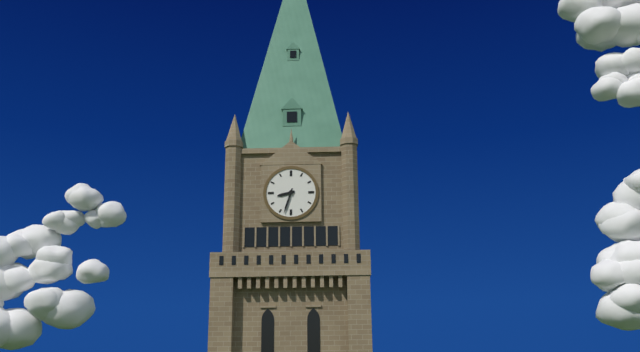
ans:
**8:33**
